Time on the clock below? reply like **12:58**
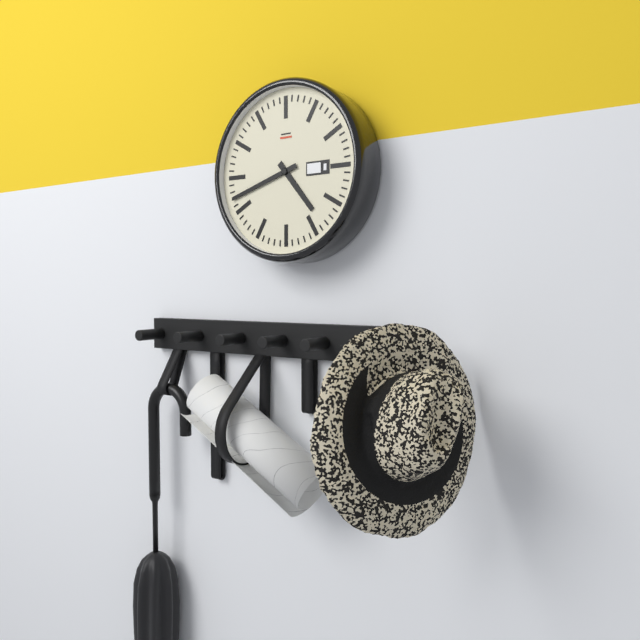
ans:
**4:42**
